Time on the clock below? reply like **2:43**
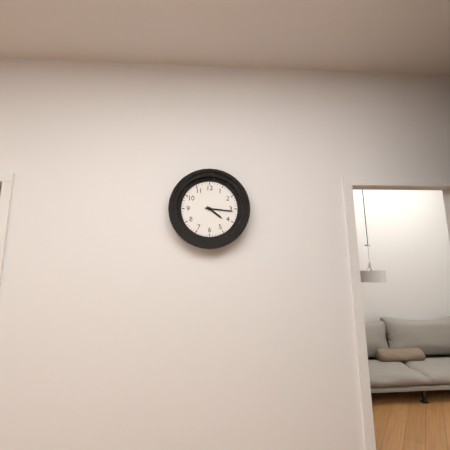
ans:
**4:16**
